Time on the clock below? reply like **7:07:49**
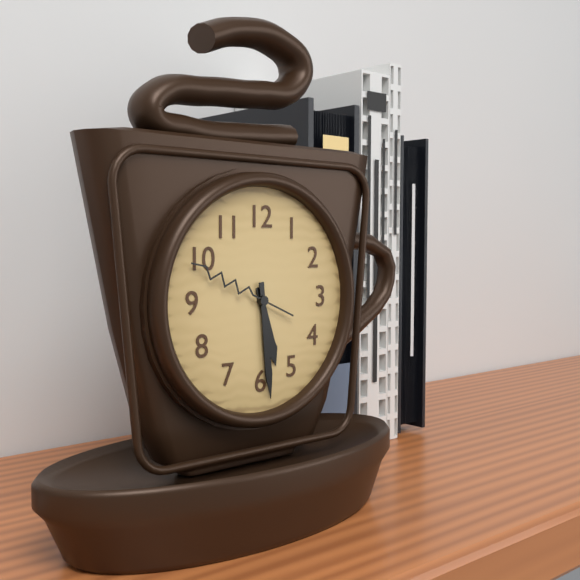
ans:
**5:29:49**
